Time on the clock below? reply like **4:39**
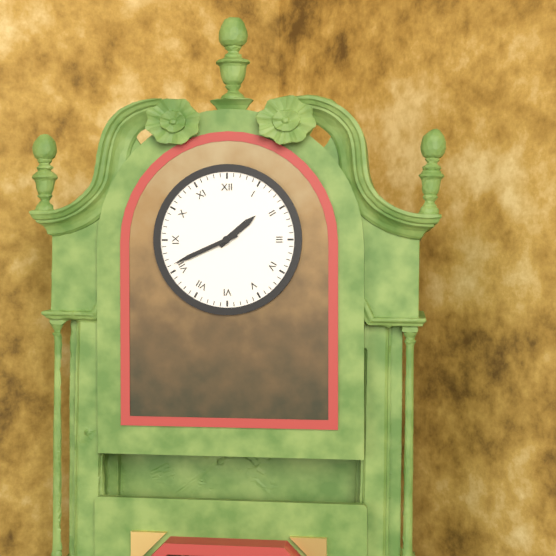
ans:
**1:41**
